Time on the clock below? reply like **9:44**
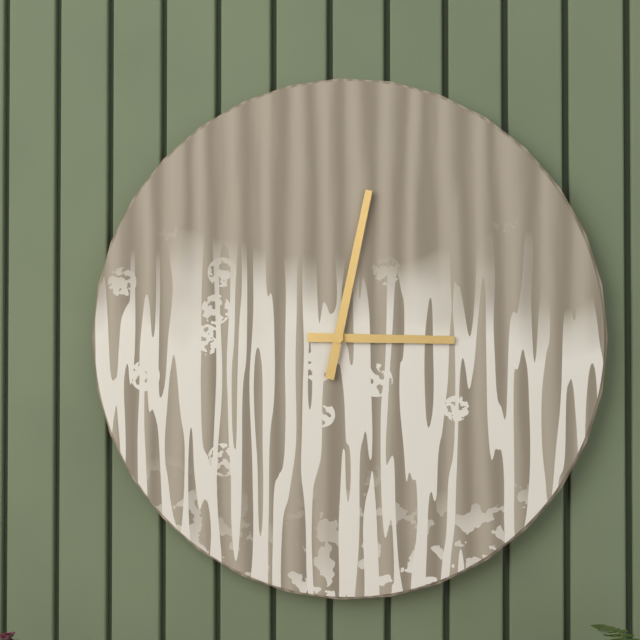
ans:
**3:02**
